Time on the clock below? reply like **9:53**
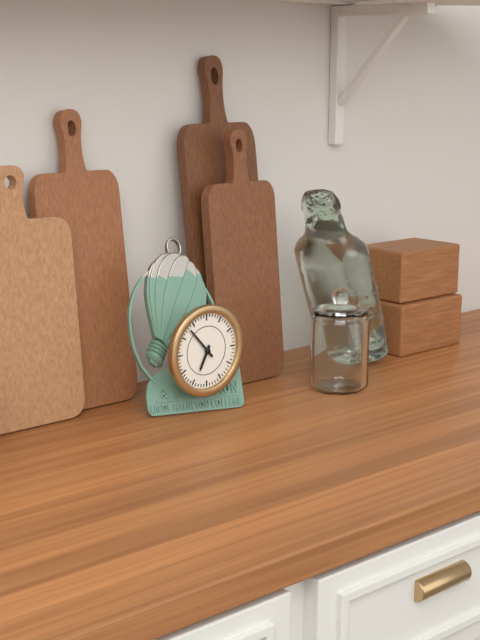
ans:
**6:53**
